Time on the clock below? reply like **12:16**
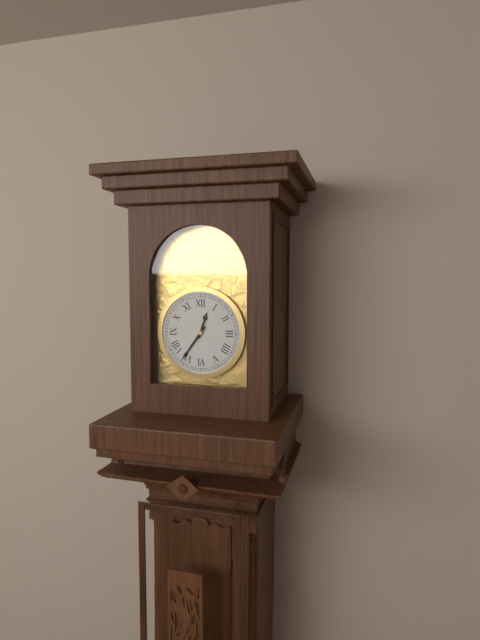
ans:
**12:36**
